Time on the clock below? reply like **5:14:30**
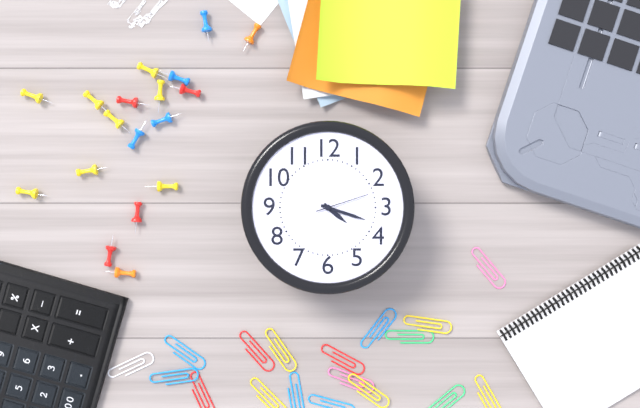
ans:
**4:18:12**
